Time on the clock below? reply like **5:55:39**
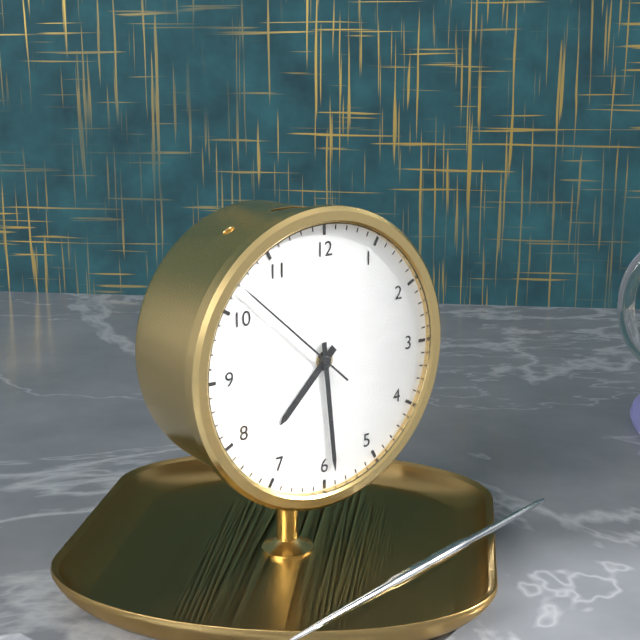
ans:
**7:29:52**
